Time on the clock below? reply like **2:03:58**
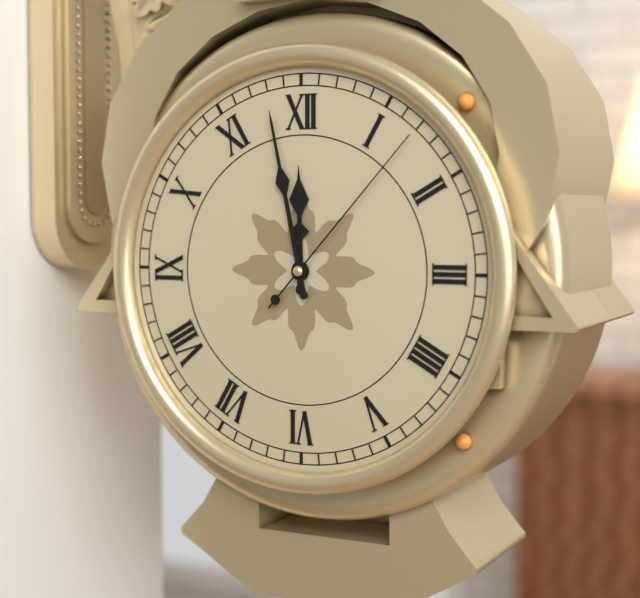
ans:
**11:58:07**
